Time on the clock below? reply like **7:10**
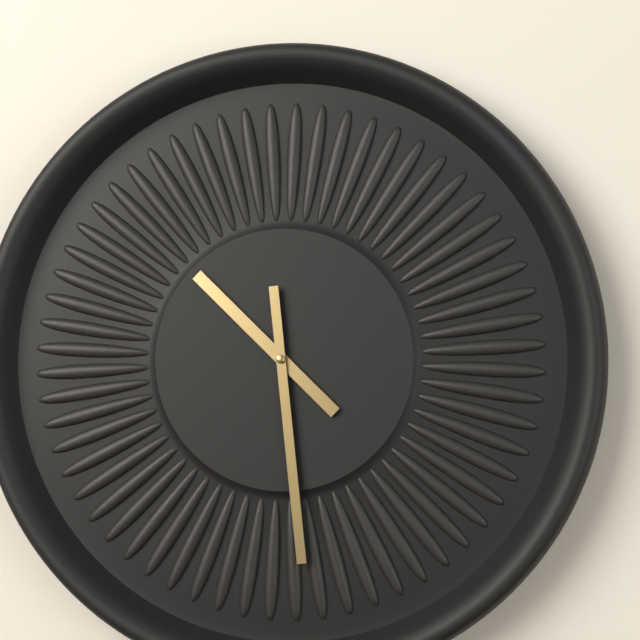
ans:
**10:29**
